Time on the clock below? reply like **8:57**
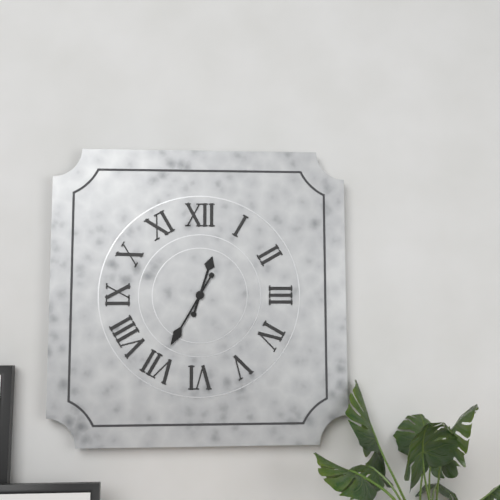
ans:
**12:35**
